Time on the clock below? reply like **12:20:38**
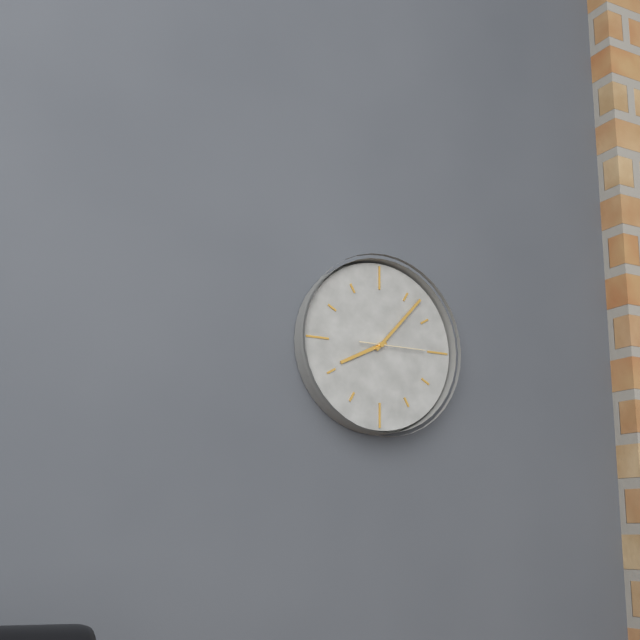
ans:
**8:07:15**
